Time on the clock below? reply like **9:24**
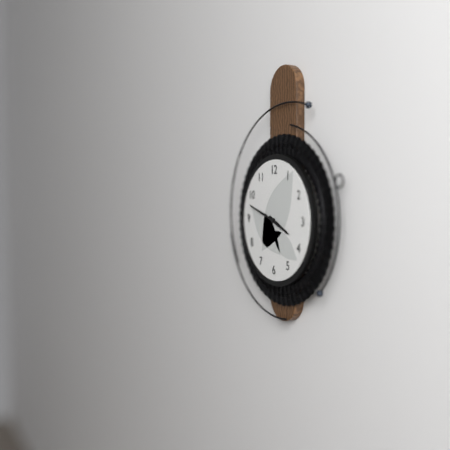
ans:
**3:48**
